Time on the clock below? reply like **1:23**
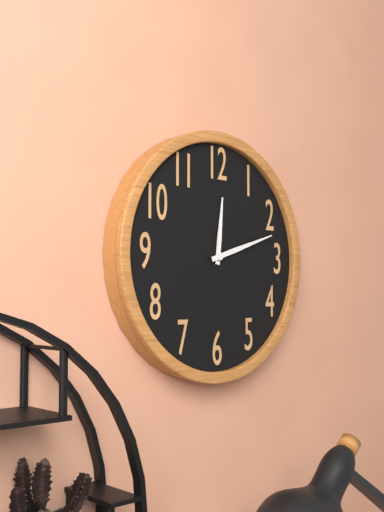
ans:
**12:12**
